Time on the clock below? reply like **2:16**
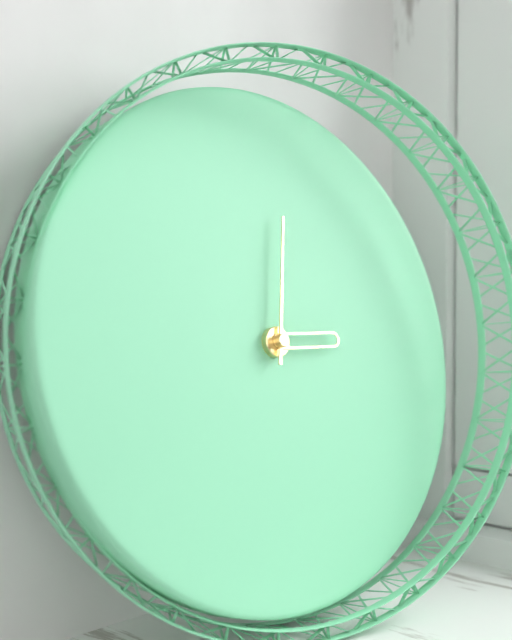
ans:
**3:02**
